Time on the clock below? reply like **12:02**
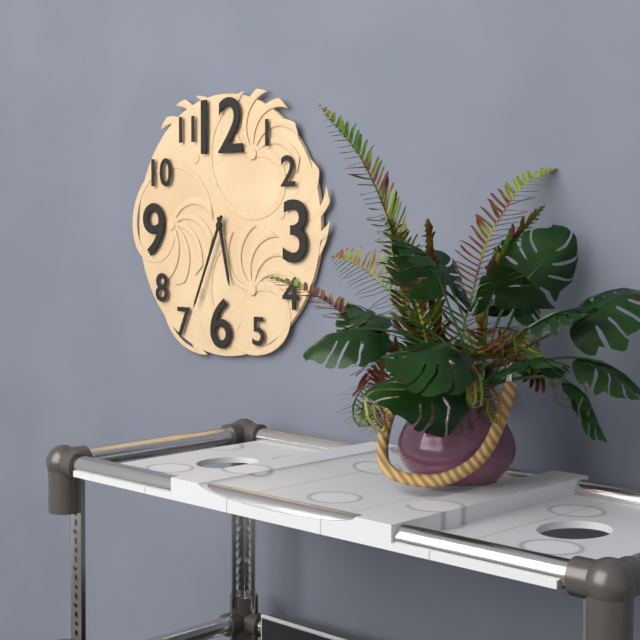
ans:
**5:34**
